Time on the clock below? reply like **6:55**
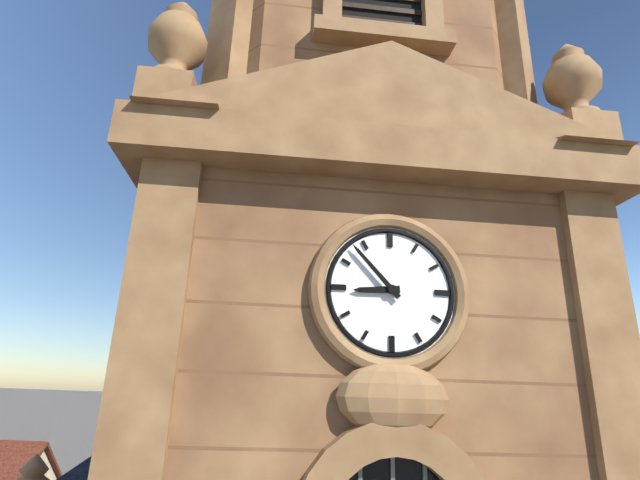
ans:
**8:53**
